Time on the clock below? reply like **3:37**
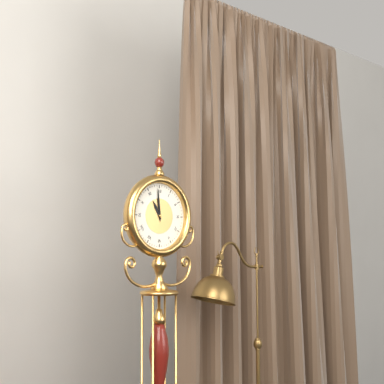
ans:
**10:59**
